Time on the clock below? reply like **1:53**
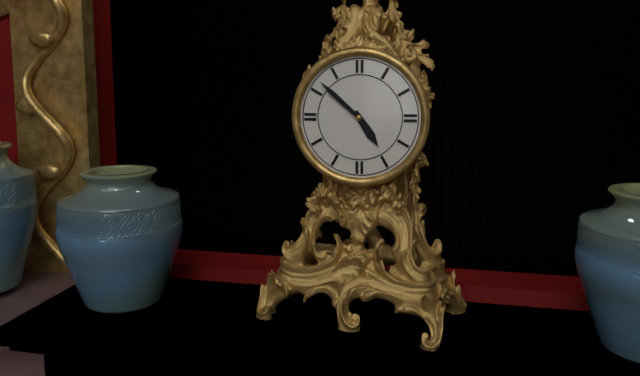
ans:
**4:52**
